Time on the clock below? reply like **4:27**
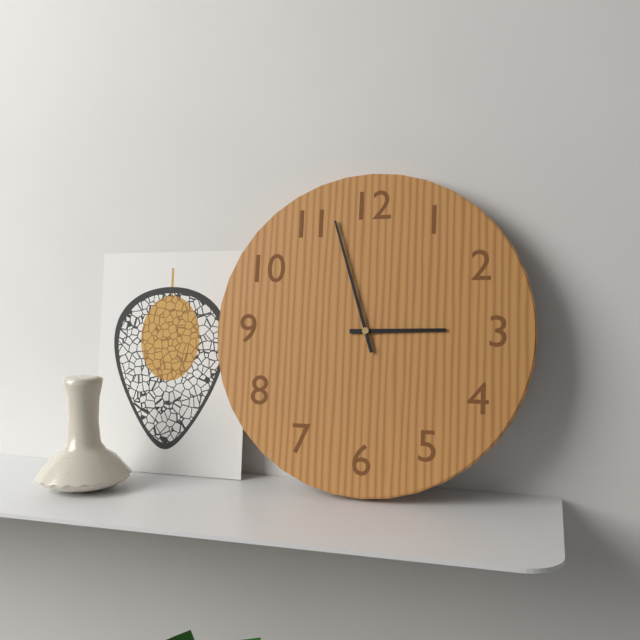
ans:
**2:57**
